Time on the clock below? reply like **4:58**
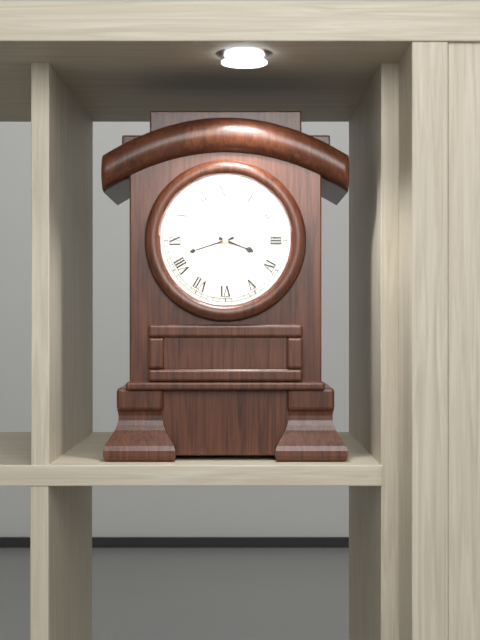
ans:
**3:42**
